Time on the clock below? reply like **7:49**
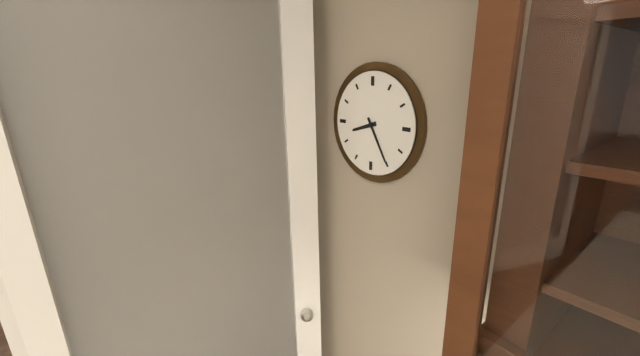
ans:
**8:25**
